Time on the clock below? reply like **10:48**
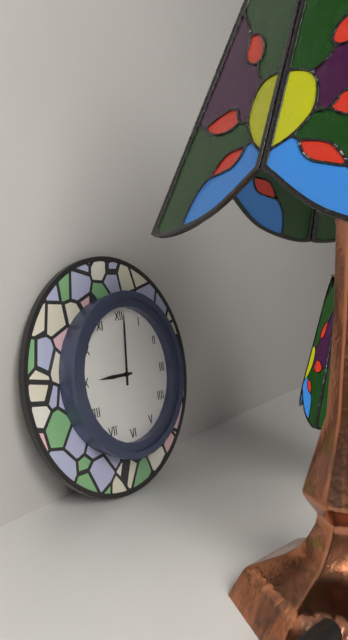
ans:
**9:01**
